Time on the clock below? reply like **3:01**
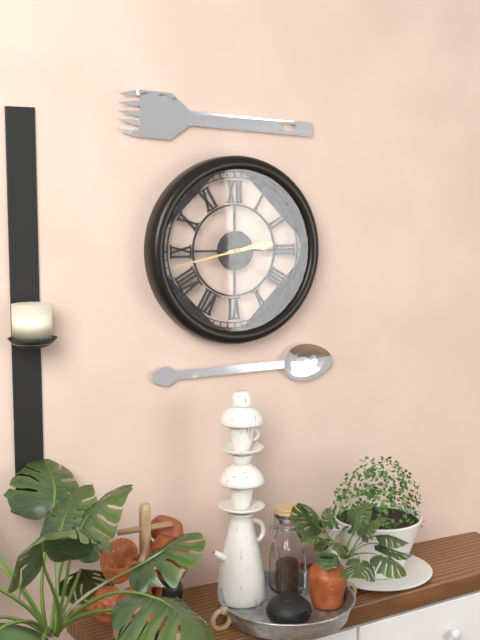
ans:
**2:43**
